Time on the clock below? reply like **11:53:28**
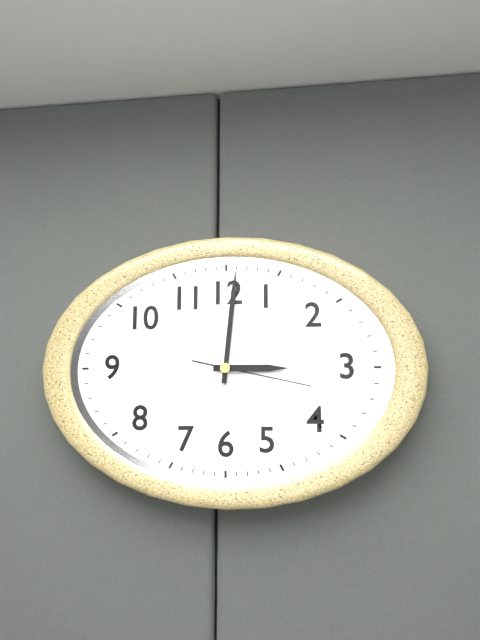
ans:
**3:01:17**
